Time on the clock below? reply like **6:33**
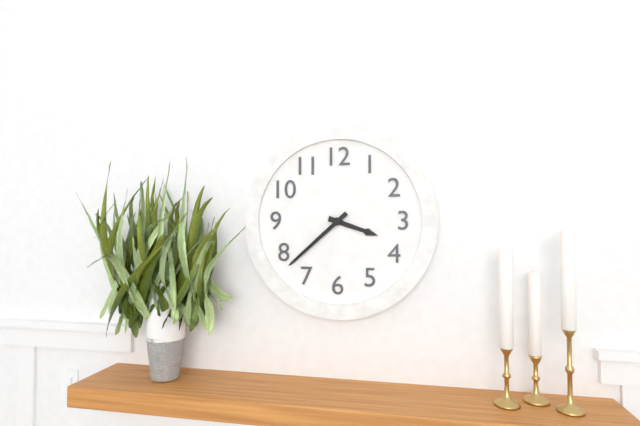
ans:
**3:38**
